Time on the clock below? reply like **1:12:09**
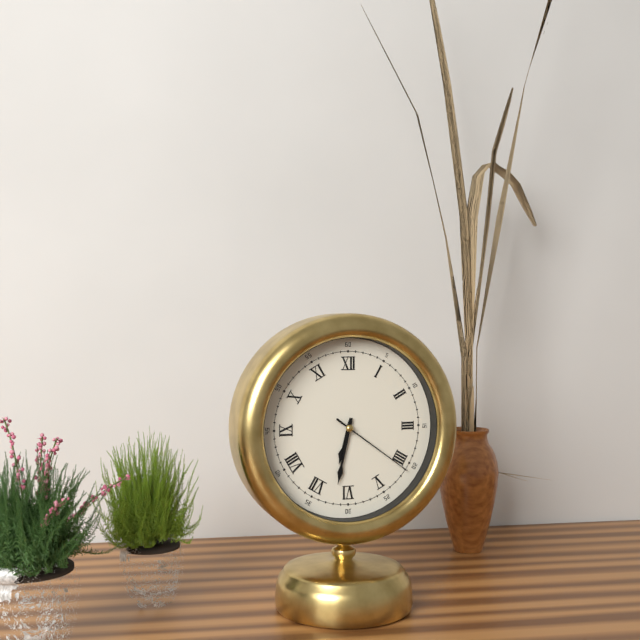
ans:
**6:32:21**
